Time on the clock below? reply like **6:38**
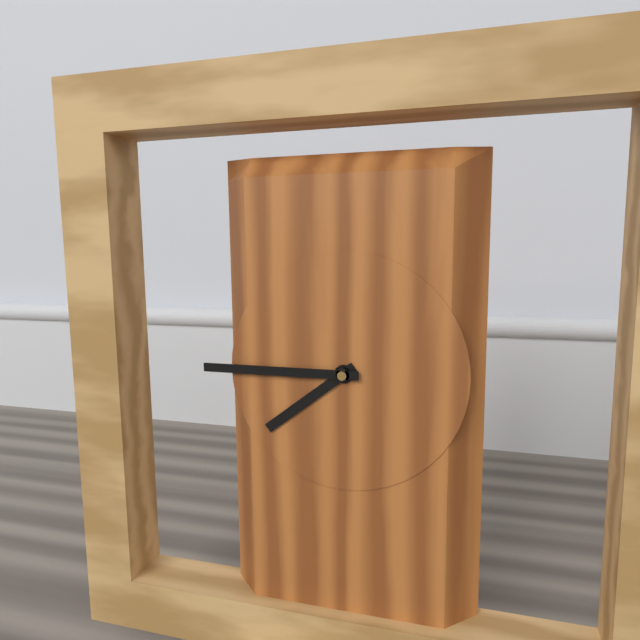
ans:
**7:45**
